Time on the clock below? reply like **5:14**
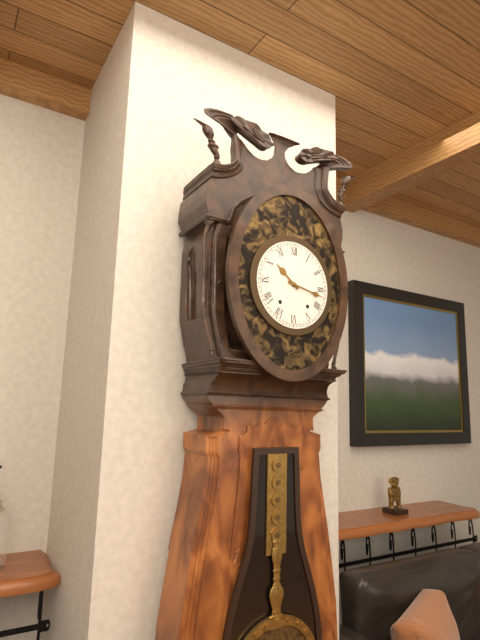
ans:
**10:17**
